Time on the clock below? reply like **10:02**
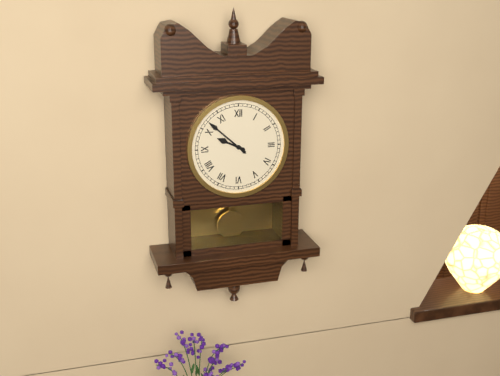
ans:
**9:52**
